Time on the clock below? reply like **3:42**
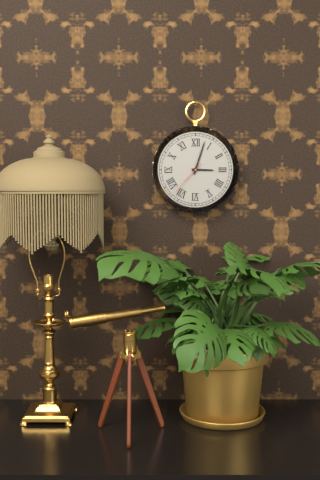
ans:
**3:03**
